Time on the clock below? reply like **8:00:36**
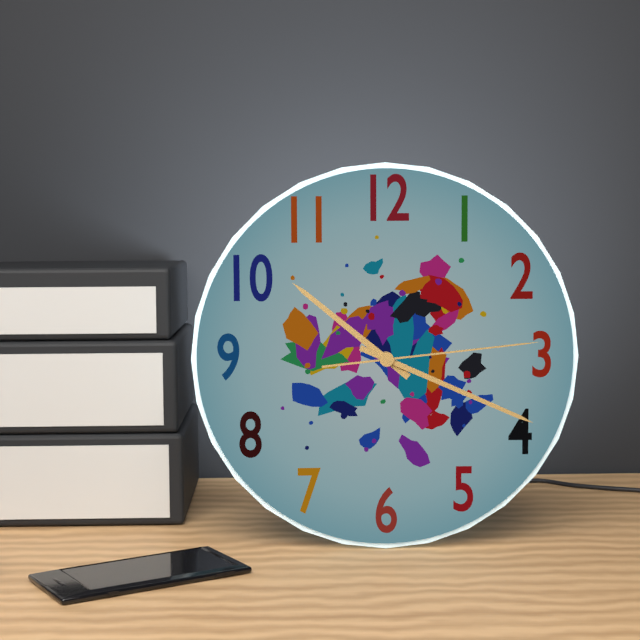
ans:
**10:19:14**
